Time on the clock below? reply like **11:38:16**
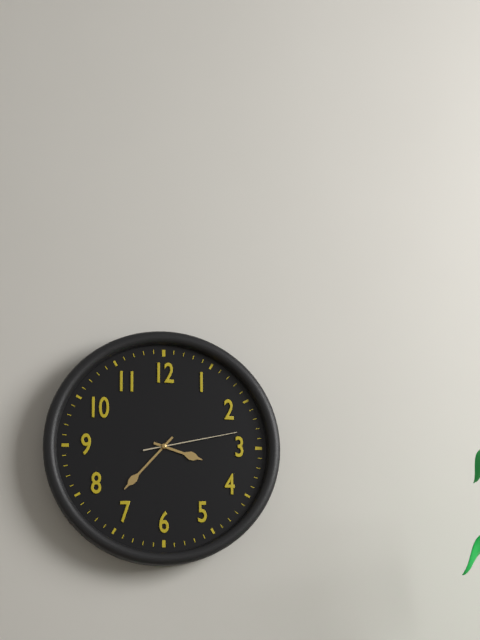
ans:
**3:37:13**
